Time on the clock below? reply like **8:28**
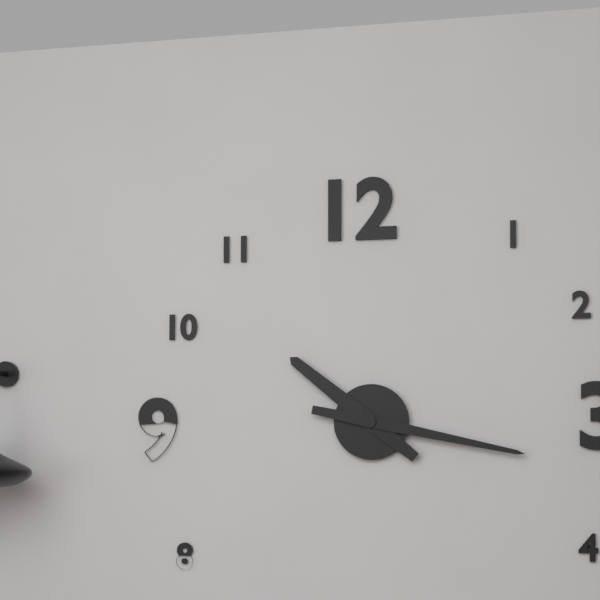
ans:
**10:17**
